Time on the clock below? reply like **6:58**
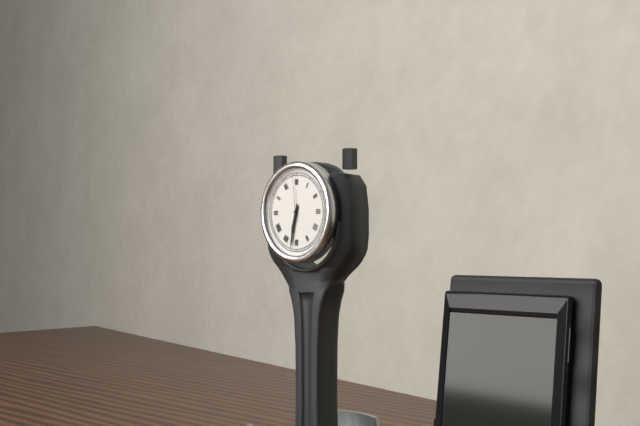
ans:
**6:32**
